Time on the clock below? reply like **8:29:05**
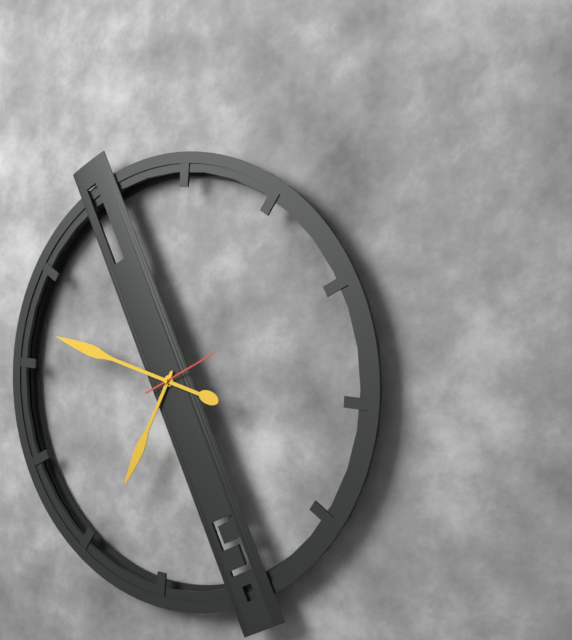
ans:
**6:47:10**
